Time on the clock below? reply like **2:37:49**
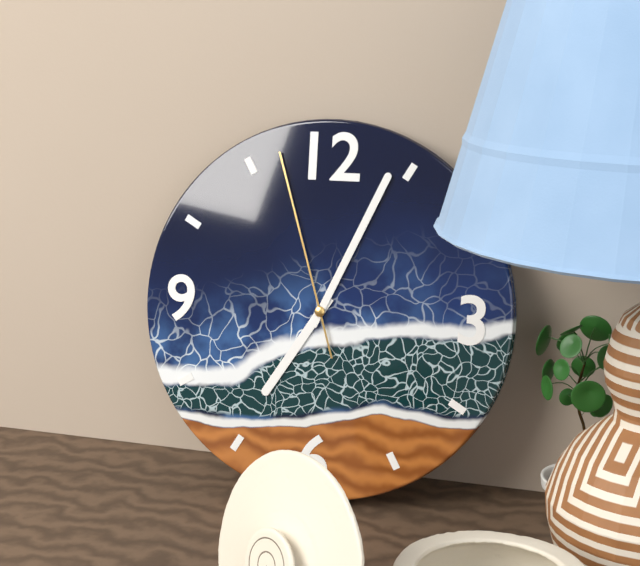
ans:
**7:04:57**
